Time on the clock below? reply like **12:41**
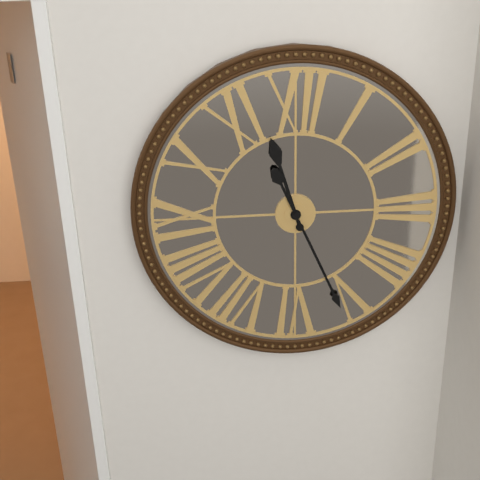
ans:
**11:26**
